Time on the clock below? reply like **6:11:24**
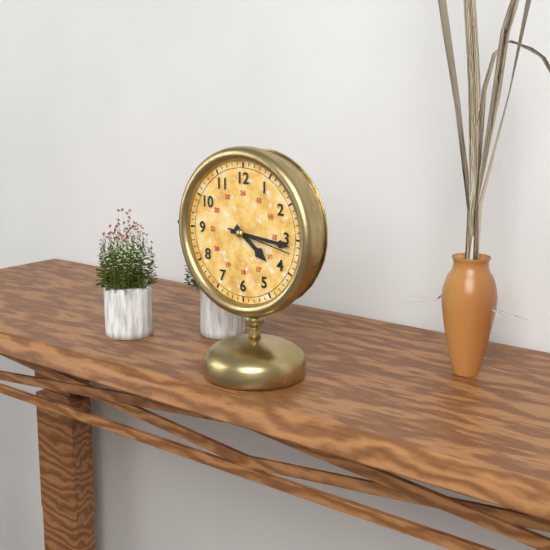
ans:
**4:16:17**
